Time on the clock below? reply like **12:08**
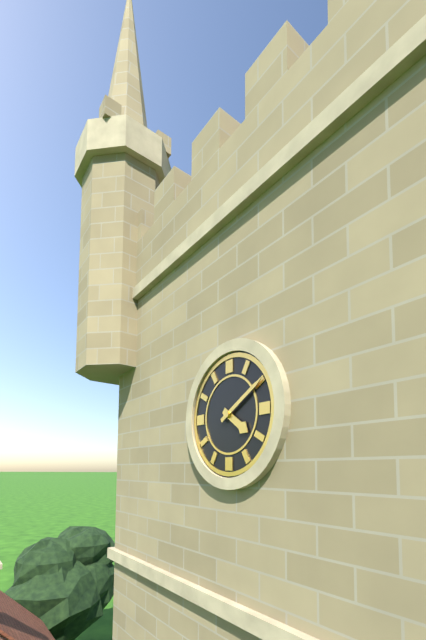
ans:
**4:10**
